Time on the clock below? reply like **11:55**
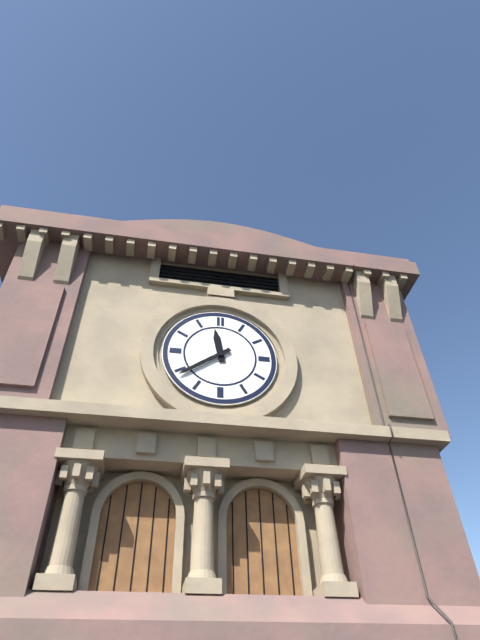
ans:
**11:39**
